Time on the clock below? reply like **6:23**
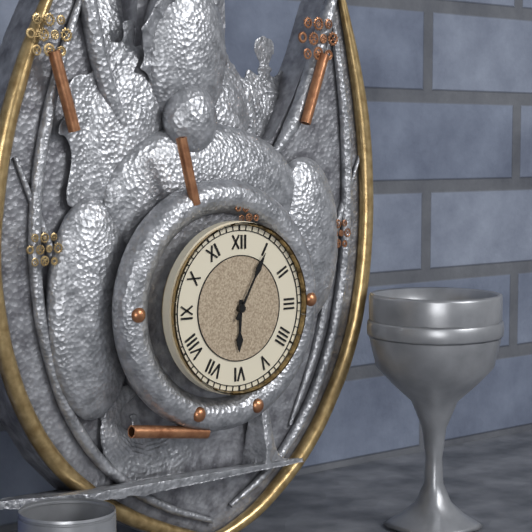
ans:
**6:05**
